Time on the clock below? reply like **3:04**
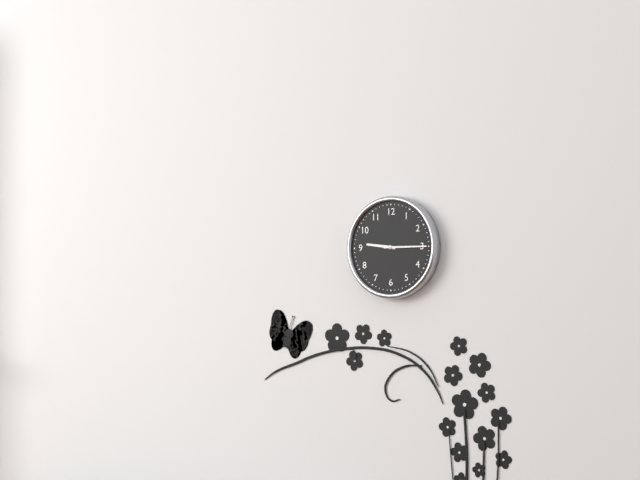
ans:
**9:15**
